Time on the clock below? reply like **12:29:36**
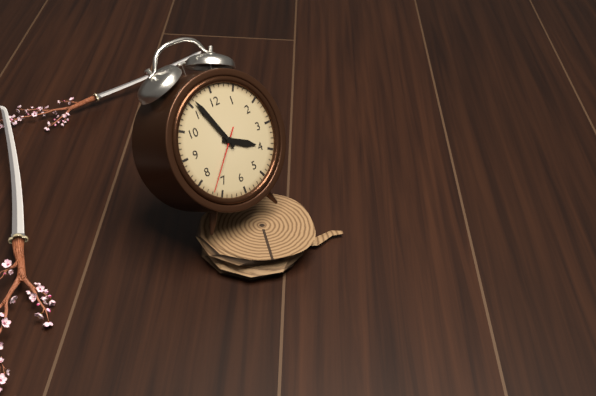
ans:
**3:56:37**
